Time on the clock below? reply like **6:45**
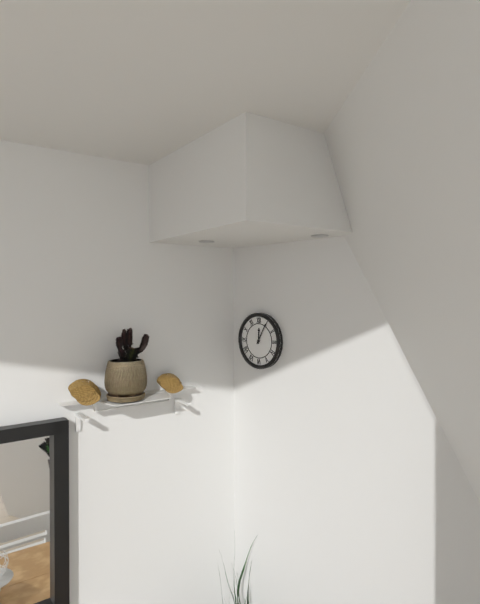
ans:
**12:05**
